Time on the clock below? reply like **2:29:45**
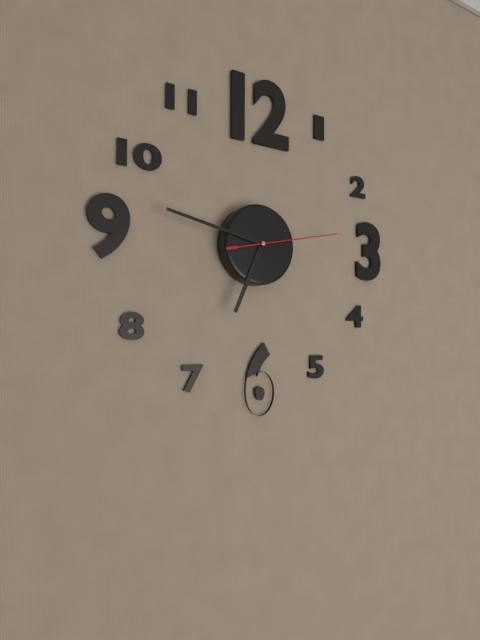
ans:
**6:47:13**
